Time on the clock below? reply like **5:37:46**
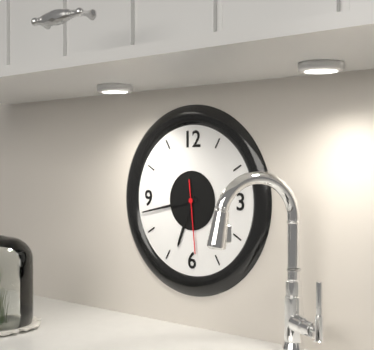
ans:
**6:43:29**
